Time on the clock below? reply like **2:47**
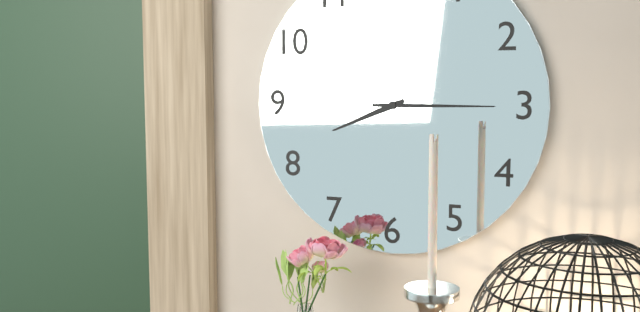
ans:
**8:15**
